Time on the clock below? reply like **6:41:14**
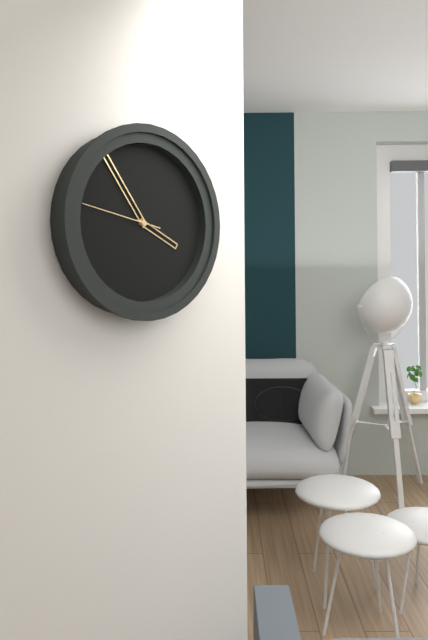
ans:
**3:54:47**
